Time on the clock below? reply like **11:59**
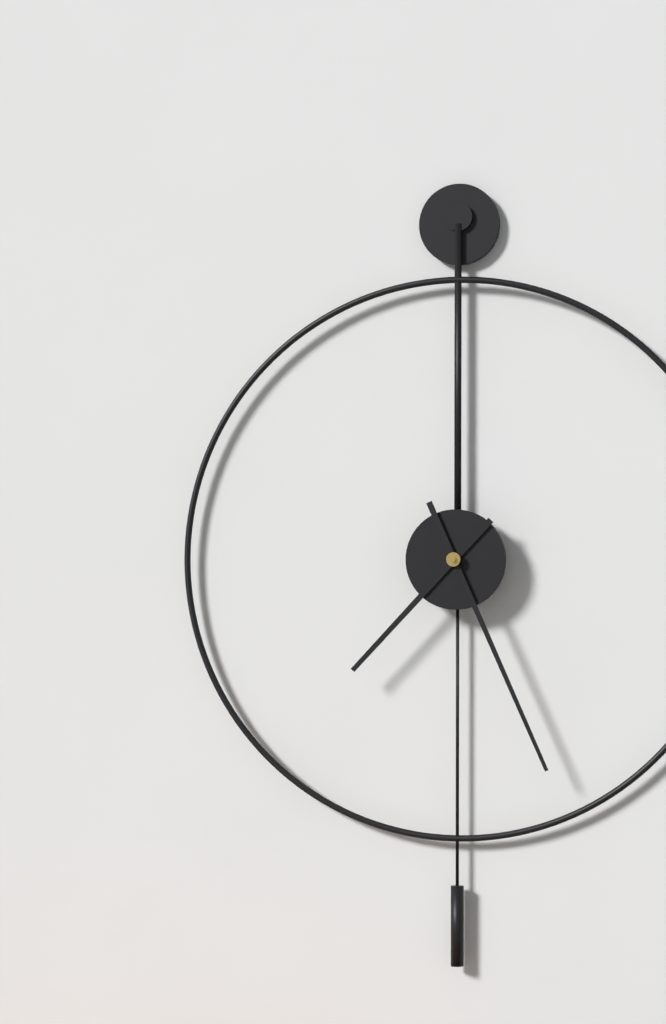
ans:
**7:26**
